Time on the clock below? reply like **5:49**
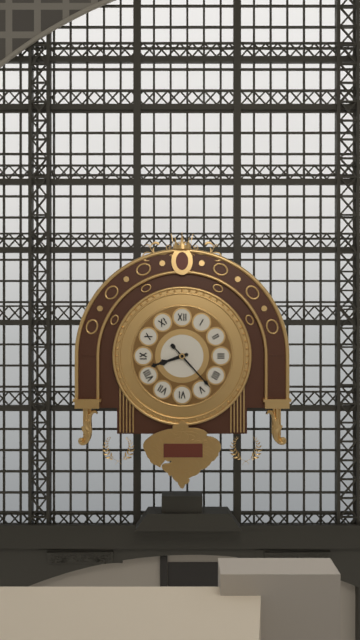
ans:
**8:23**
